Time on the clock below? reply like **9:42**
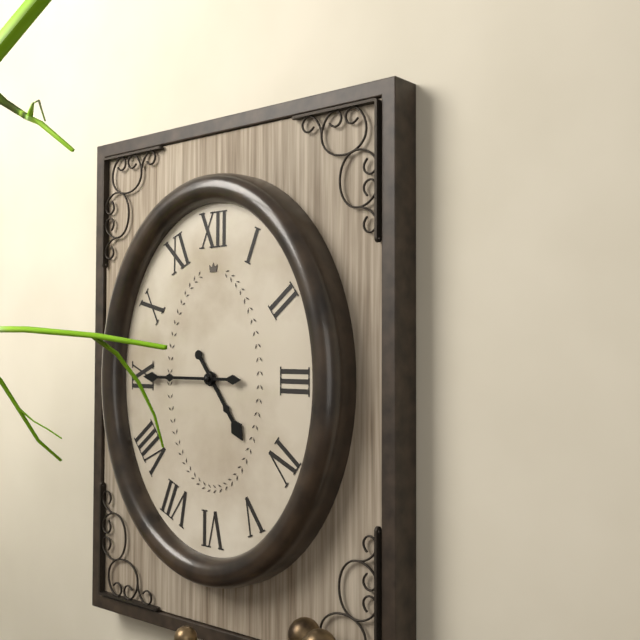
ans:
**4:45**
